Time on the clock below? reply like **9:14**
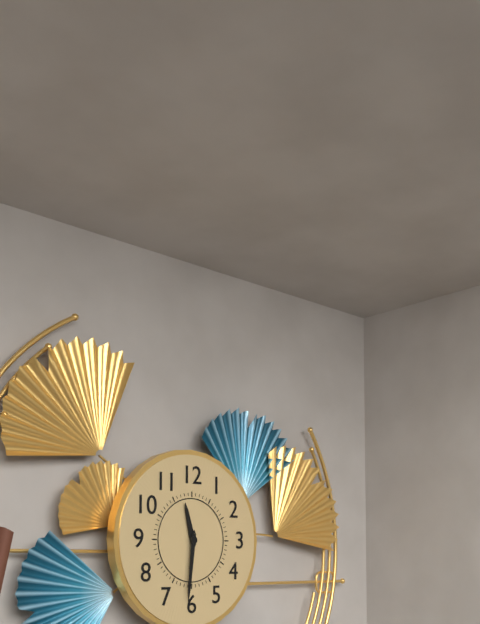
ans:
**11:31**
